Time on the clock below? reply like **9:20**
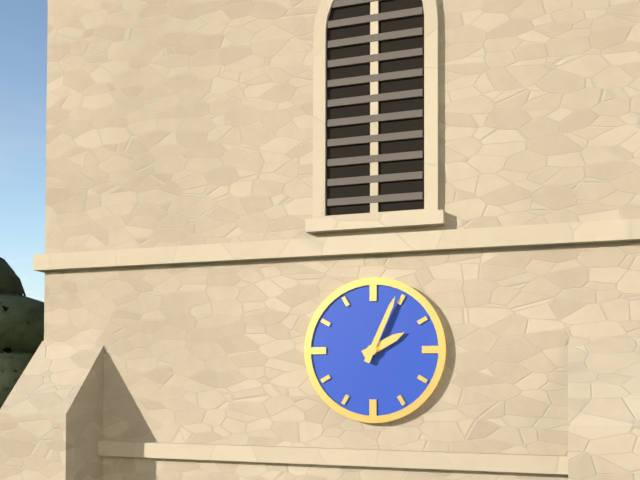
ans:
**2:04**
